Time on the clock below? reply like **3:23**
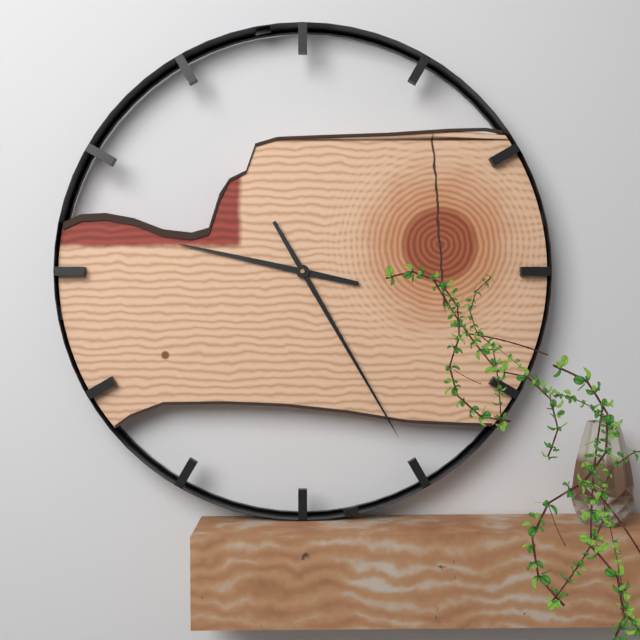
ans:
**9:25**
